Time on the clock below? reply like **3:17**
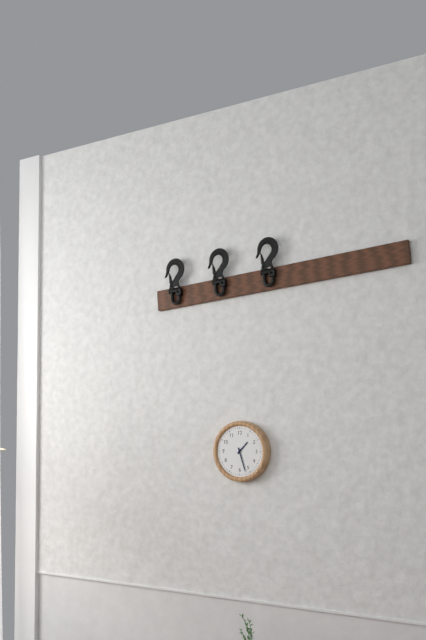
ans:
**1:27**
